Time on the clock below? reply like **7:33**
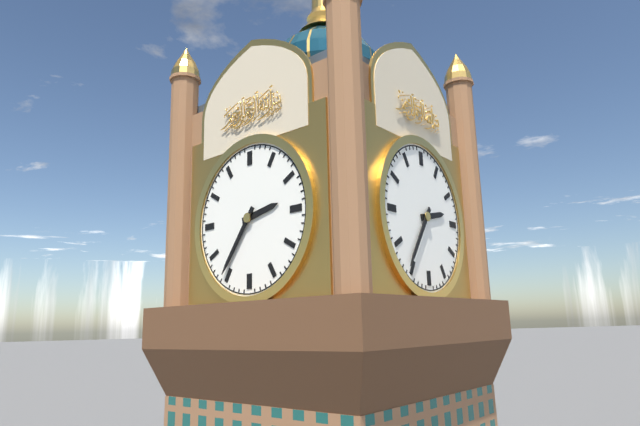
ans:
**2:36**
